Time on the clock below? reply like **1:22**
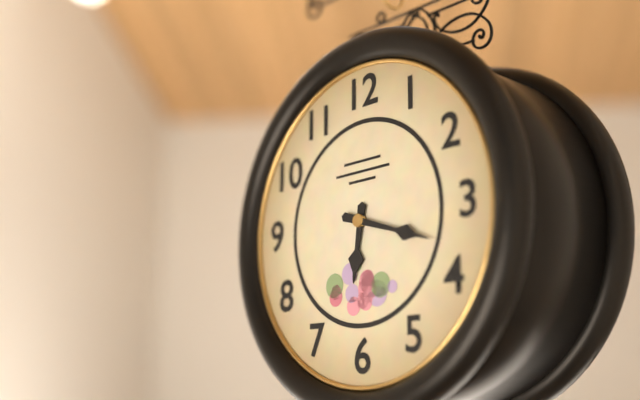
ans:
**6:18**
